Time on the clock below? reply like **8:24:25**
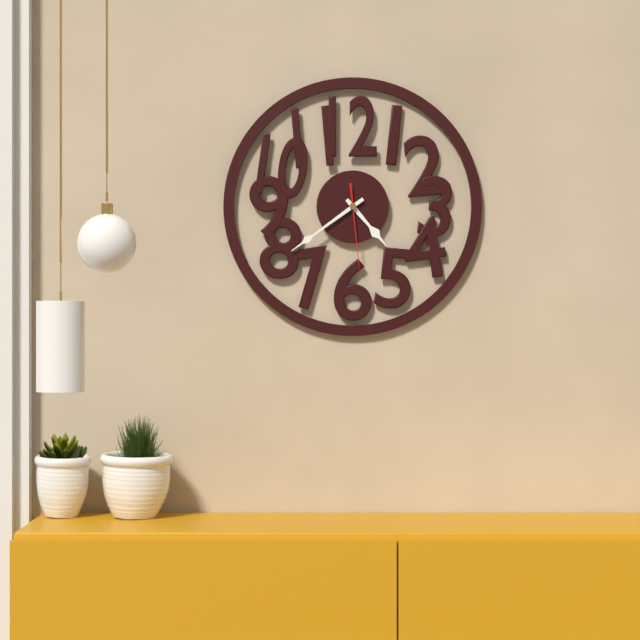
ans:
**4:39:29**
